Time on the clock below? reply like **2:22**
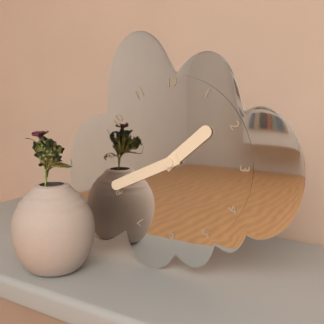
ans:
**1:41**
